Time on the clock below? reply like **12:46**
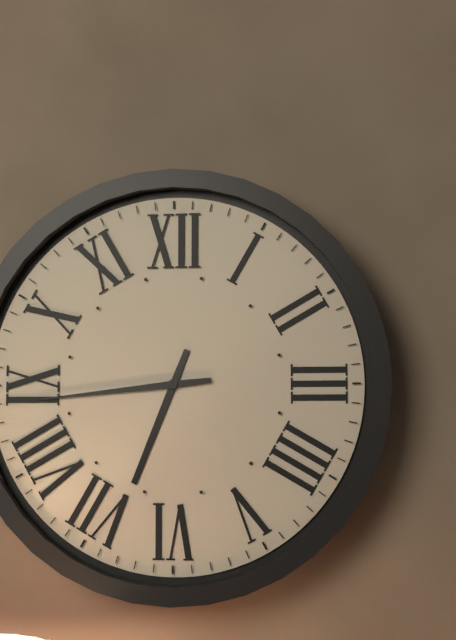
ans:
**6:44**
